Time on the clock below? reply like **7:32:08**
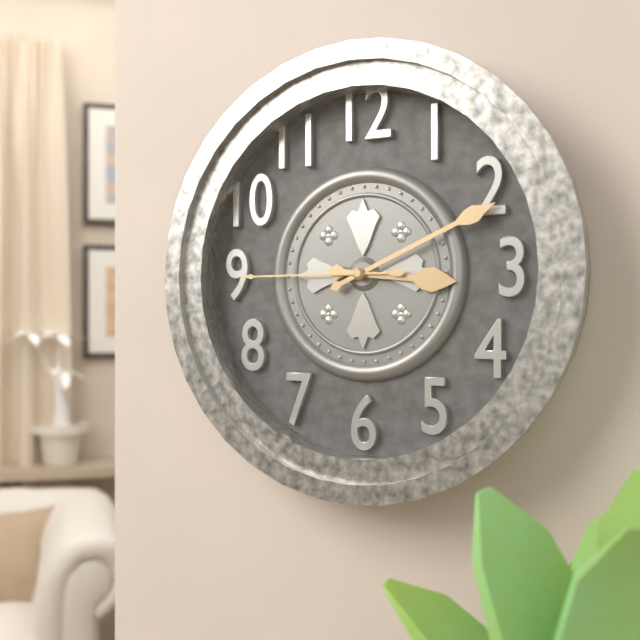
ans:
**3:11:45**
